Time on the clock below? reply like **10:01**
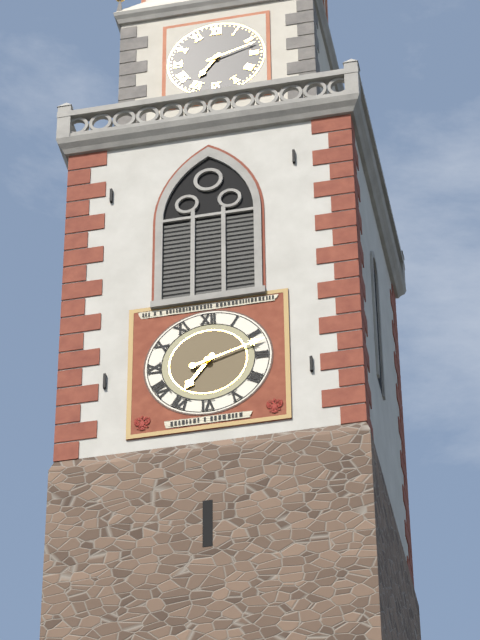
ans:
**7:12**
